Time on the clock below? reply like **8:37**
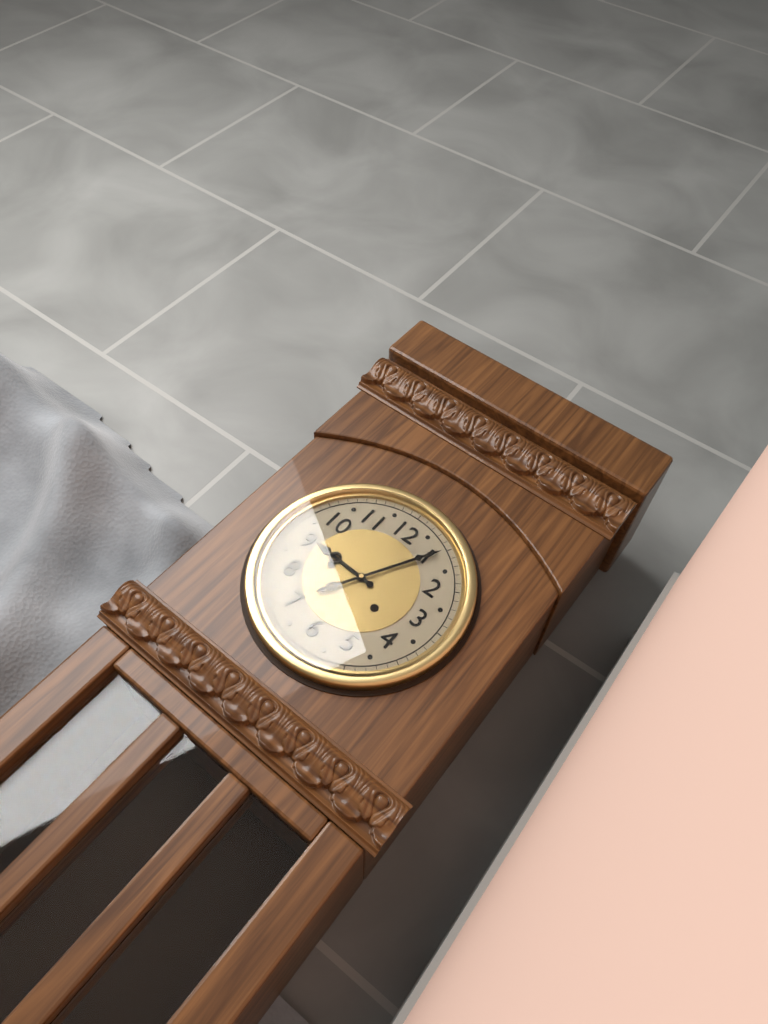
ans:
**9:05**
